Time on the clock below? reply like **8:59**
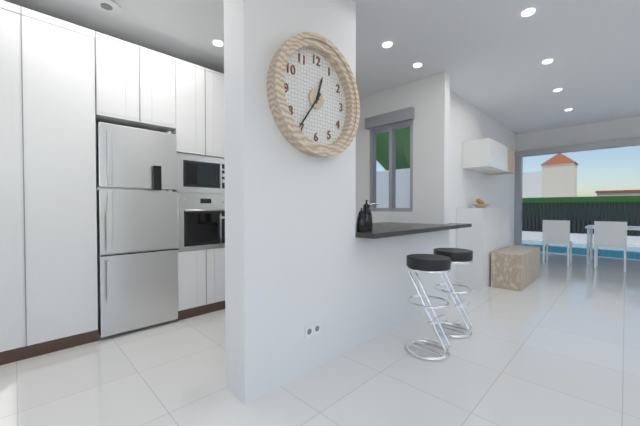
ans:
**12:36**
